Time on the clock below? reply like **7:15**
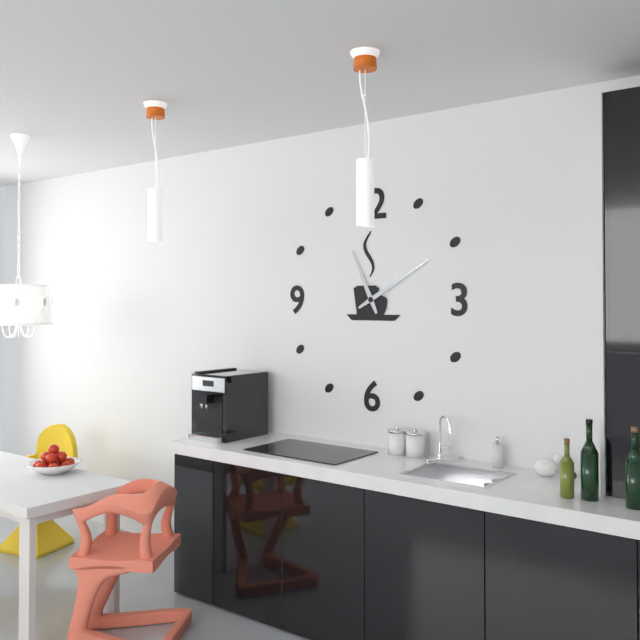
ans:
**11:10**
